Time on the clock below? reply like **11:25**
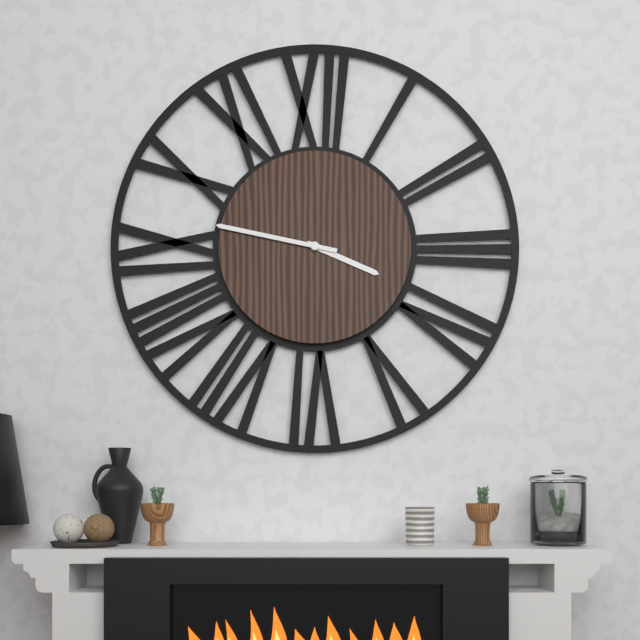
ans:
**3:47**
